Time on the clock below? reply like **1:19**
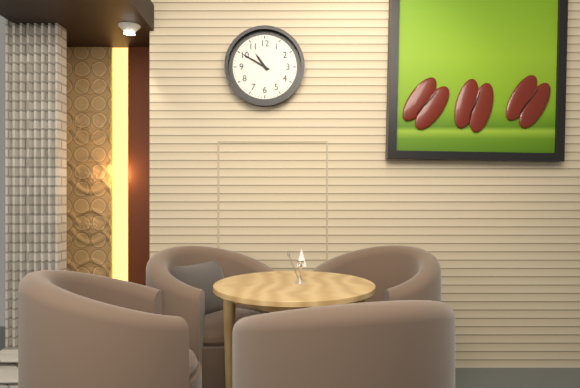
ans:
**10:50**
